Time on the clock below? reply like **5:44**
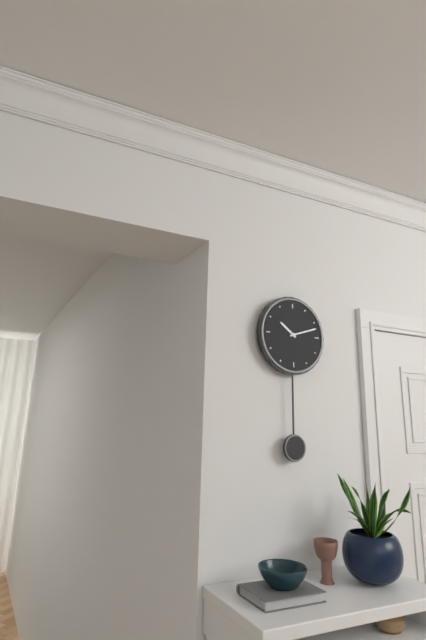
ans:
**10:12**
